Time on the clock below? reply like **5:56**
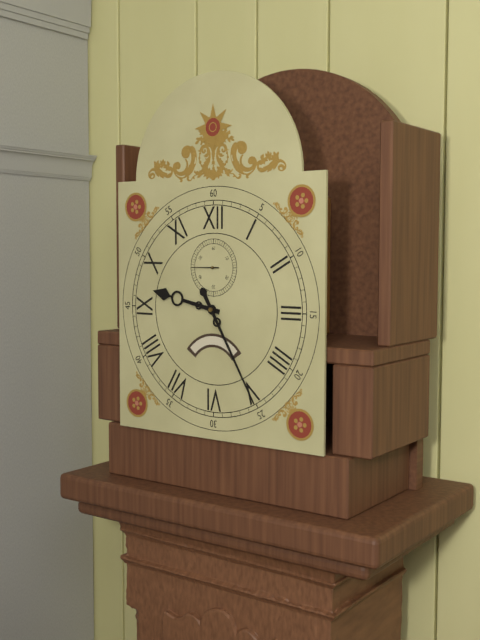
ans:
**9:25**
